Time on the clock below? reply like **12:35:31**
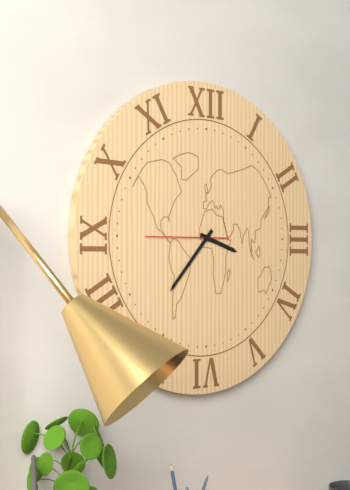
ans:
**3:37:45**
